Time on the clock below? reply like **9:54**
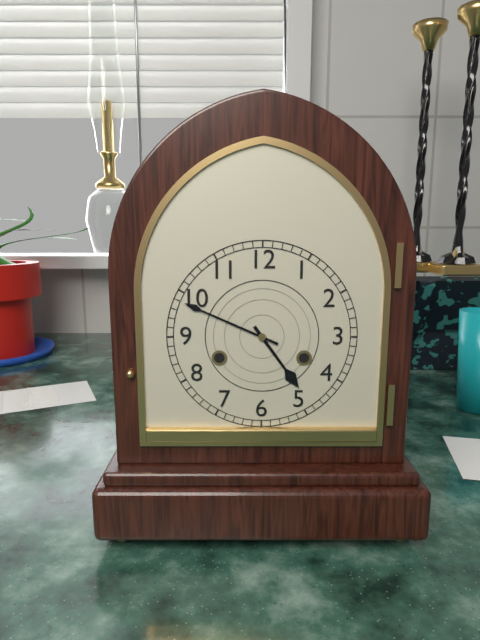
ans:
**4:49**
